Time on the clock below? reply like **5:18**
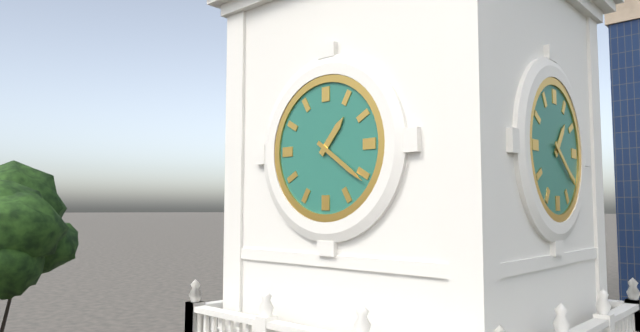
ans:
**1:21**
